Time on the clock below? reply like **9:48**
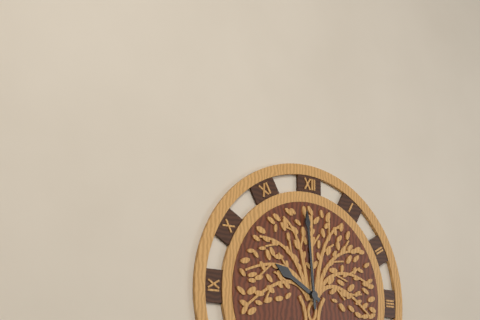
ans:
**9:59**
